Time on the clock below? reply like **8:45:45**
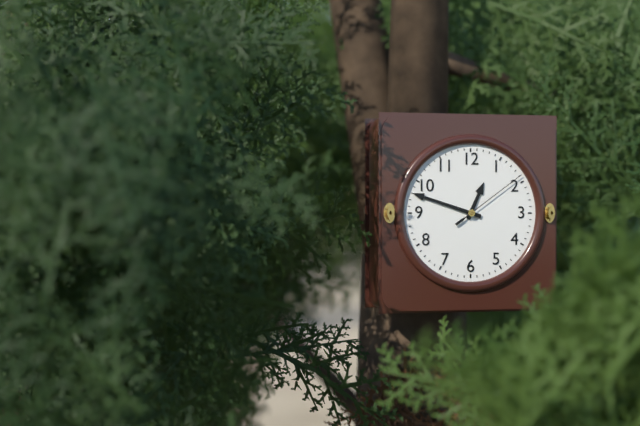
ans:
**12:48:09**
